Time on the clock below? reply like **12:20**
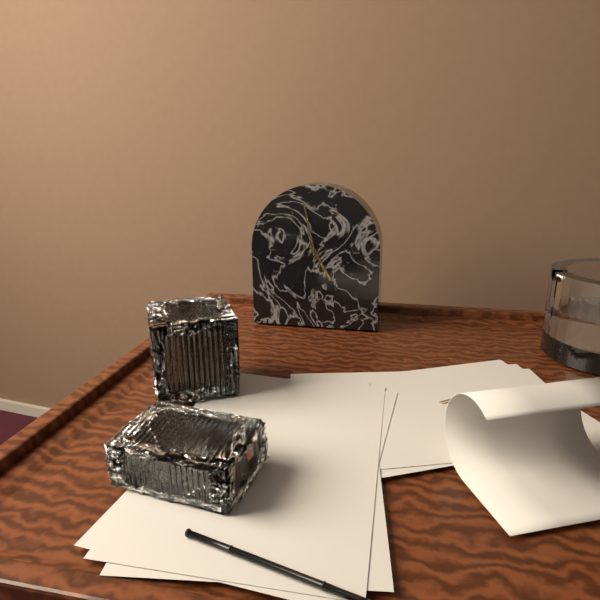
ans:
**4:58**
